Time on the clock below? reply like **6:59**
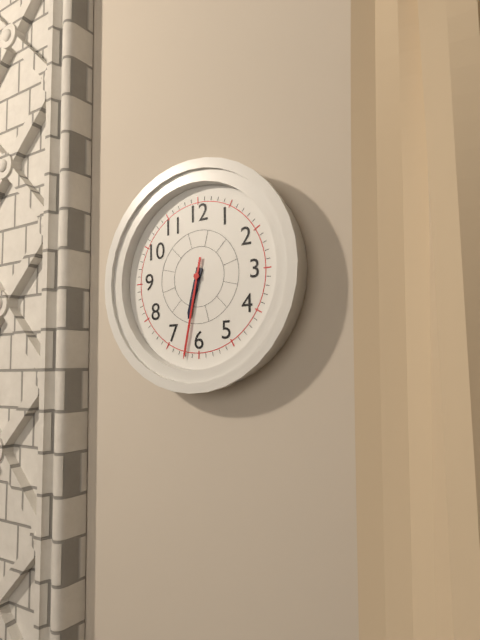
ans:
**6:32**
